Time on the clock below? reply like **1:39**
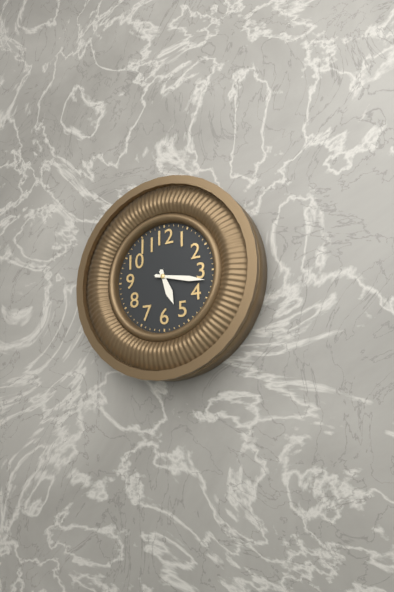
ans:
**5:17**
